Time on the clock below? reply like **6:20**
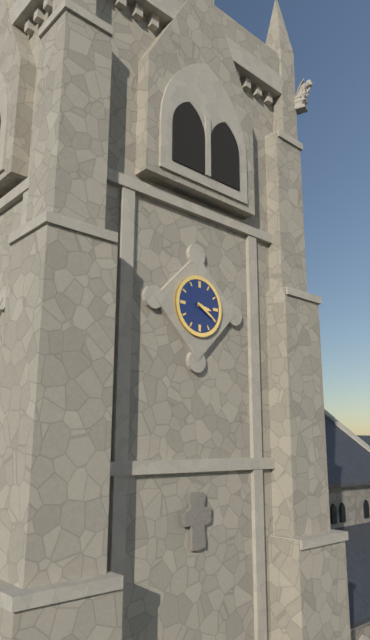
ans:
**3:20**
